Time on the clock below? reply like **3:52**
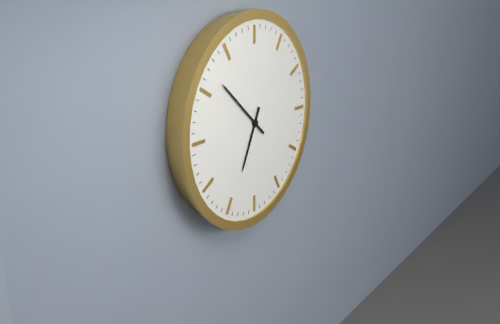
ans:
**6:52**
